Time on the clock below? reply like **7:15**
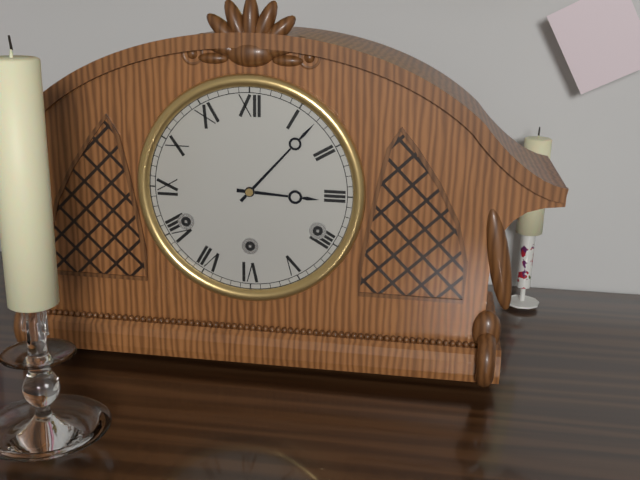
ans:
**3:07**
